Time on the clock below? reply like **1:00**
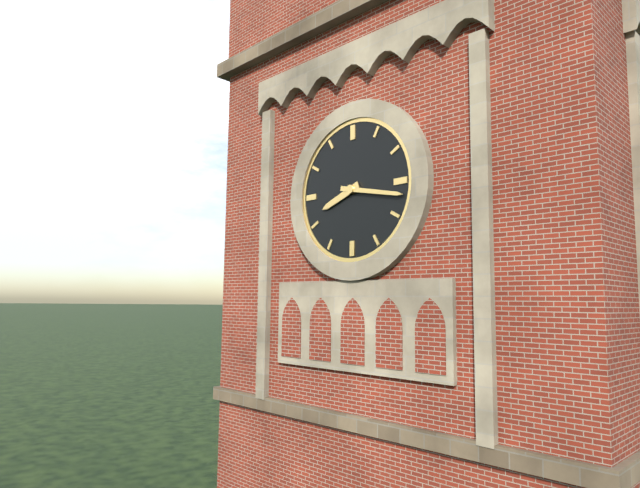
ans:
**8:17**
